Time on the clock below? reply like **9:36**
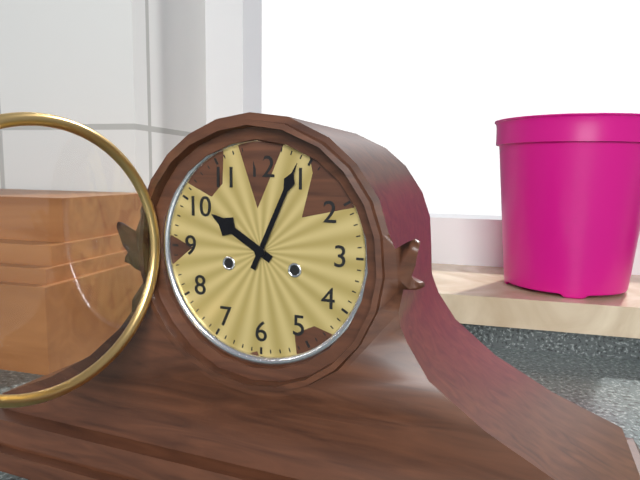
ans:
**10:04**
